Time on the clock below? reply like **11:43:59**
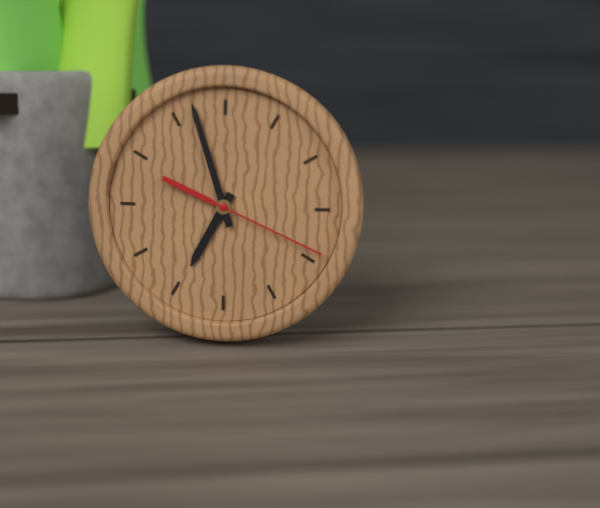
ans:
**6:57:19**
